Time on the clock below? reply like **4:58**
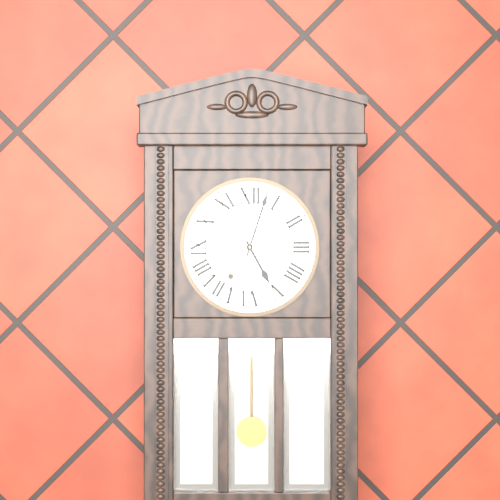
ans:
**5:03**
